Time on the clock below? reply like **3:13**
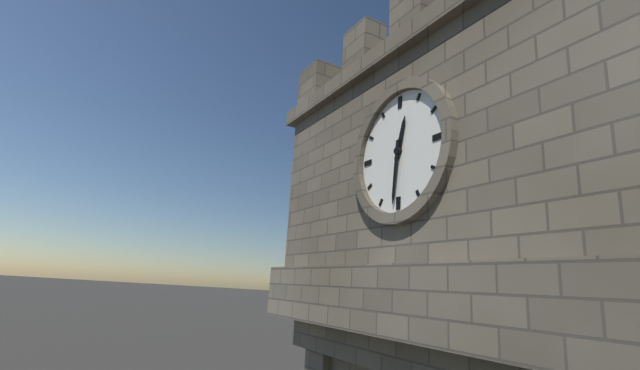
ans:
**12:31**
